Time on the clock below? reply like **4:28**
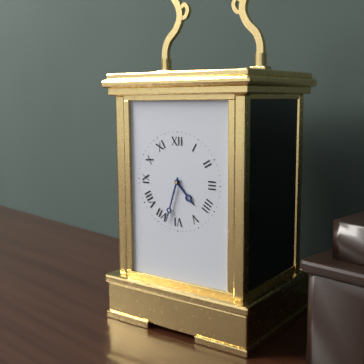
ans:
**4:33**
